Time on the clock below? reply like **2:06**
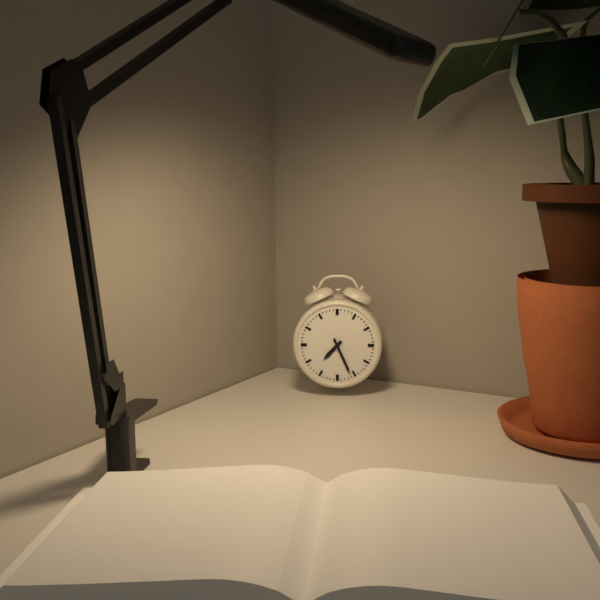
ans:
**7:26**
